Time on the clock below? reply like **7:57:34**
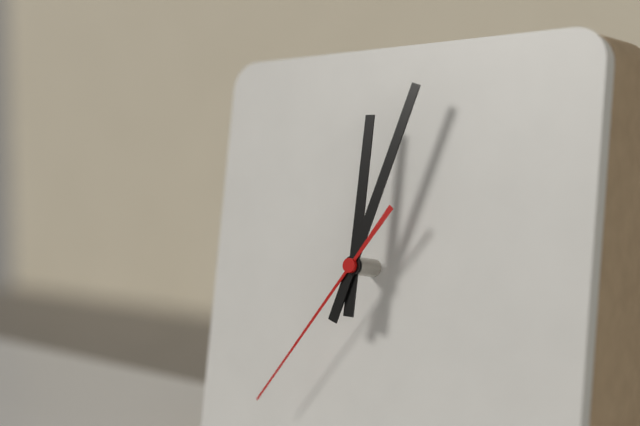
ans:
**12:03:36**
